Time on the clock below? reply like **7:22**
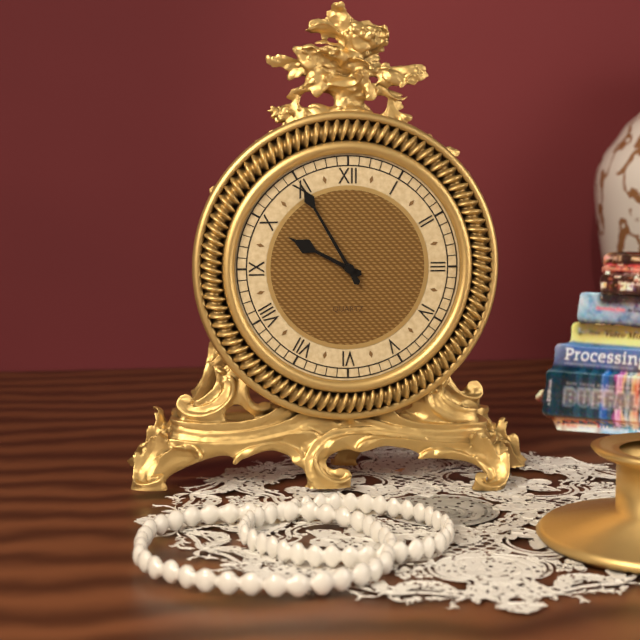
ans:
**9:55**
